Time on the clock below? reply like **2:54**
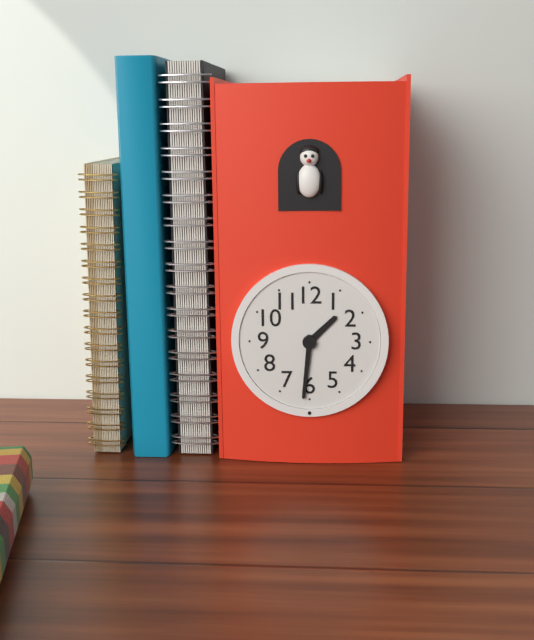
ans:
**1:31**
